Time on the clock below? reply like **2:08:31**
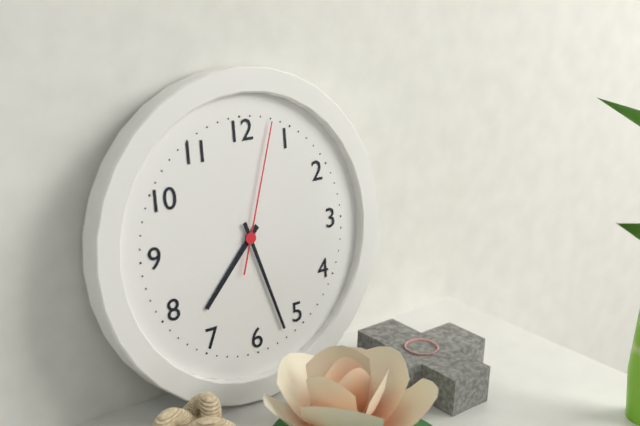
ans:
**7:27:03**
